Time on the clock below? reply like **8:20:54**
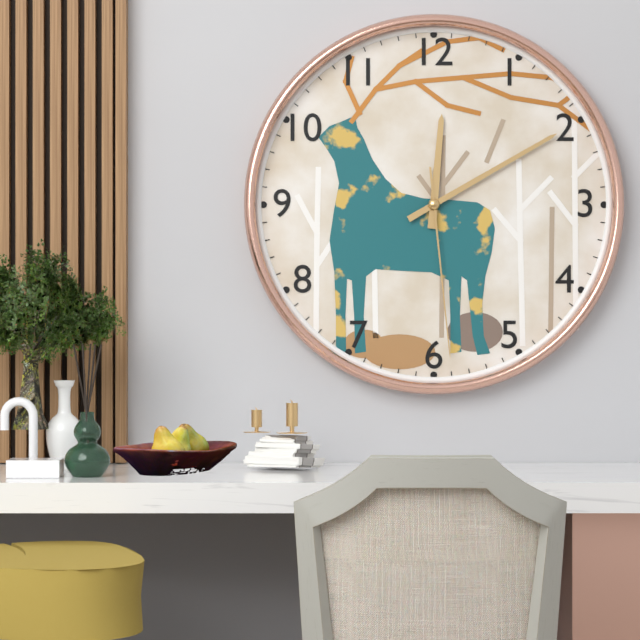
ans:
**12:10:29**
